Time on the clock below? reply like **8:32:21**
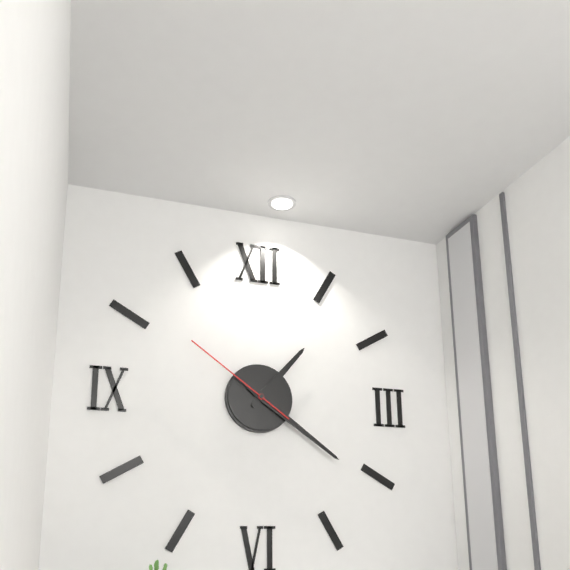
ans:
**1:21:51**
